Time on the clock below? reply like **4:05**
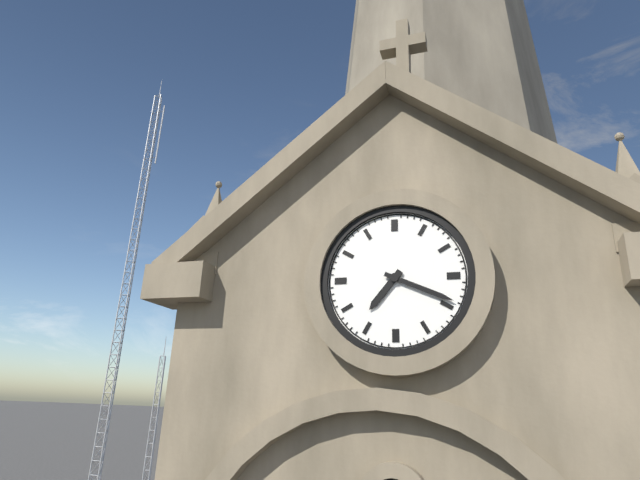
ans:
**7:19**
